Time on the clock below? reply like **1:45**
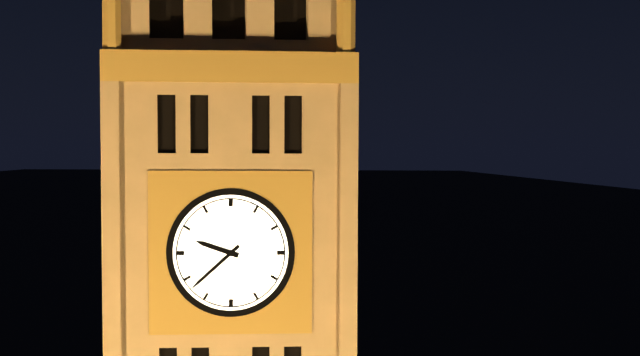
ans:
**9:38**
